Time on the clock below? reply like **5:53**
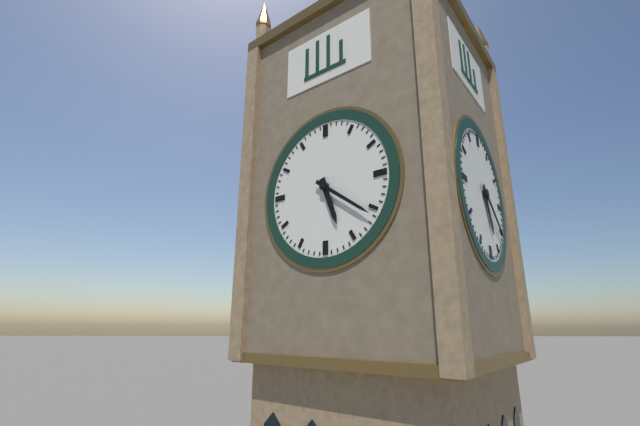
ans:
**5:21**
